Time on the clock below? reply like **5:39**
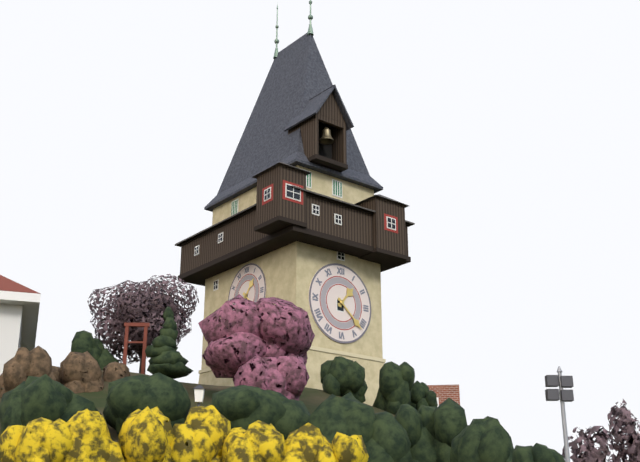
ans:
**1:22**
